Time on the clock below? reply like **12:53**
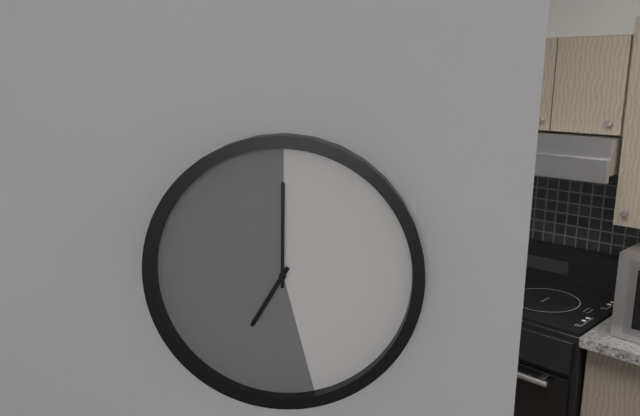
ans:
**7:00**
